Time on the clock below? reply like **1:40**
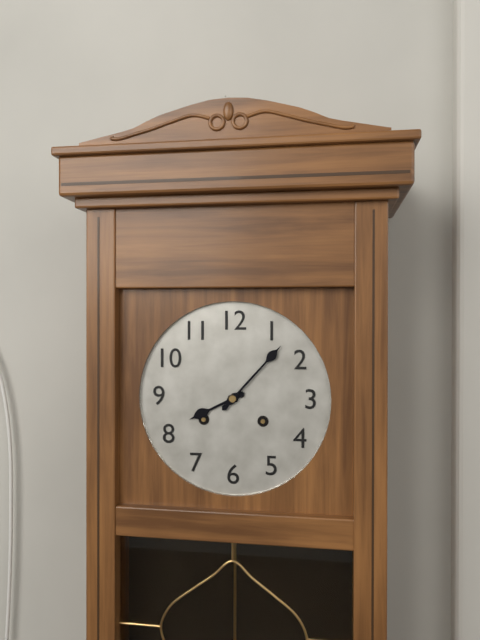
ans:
**8:07**
